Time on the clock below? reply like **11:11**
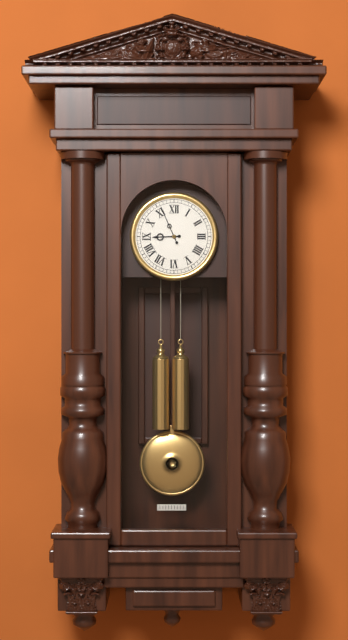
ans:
**8:56**
